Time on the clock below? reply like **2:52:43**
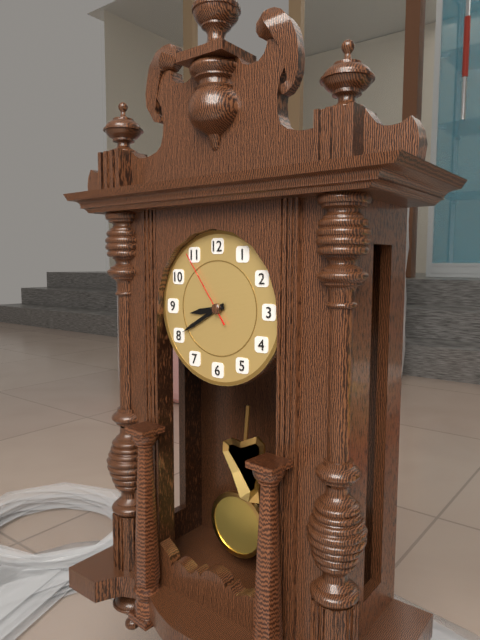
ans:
**8:40:54**
